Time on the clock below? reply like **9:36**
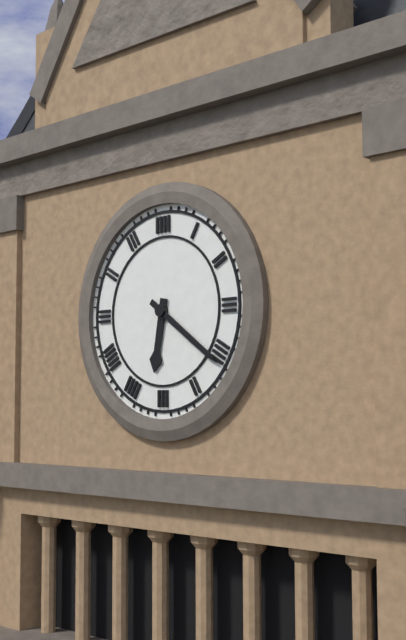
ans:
**6:21**
